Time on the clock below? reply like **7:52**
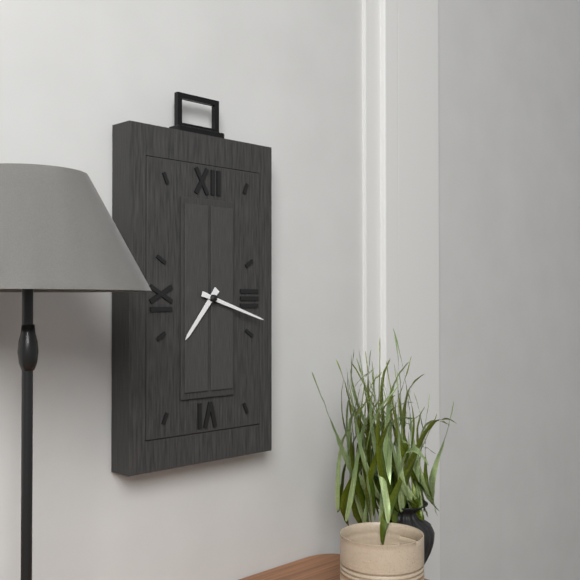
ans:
**7:18**
